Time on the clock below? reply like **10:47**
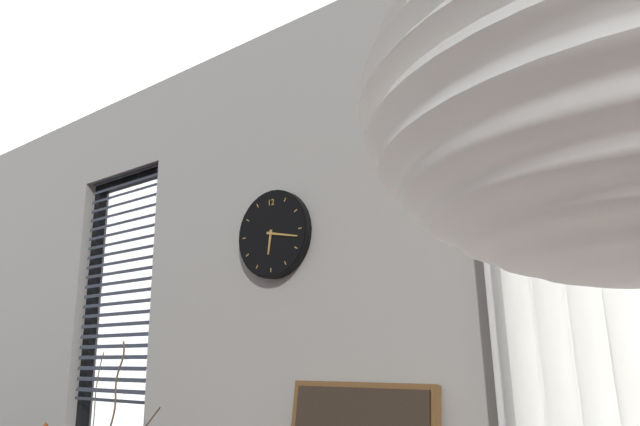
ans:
**6:17**
